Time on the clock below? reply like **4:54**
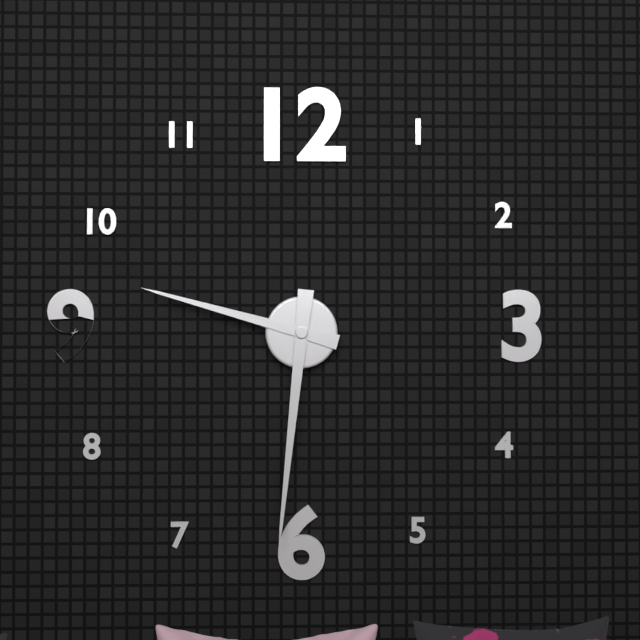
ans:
**9:31**
